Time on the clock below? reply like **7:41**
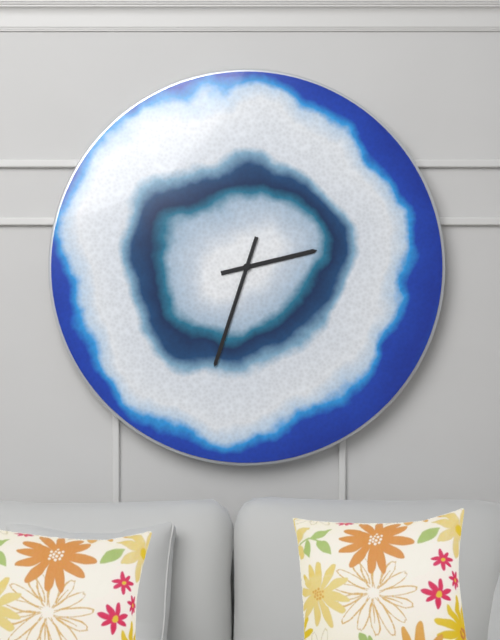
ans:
**2:33**
